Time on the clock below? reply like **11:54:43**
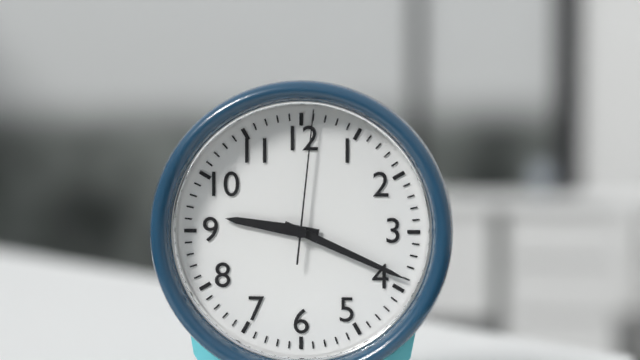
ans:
**9:19:01**
